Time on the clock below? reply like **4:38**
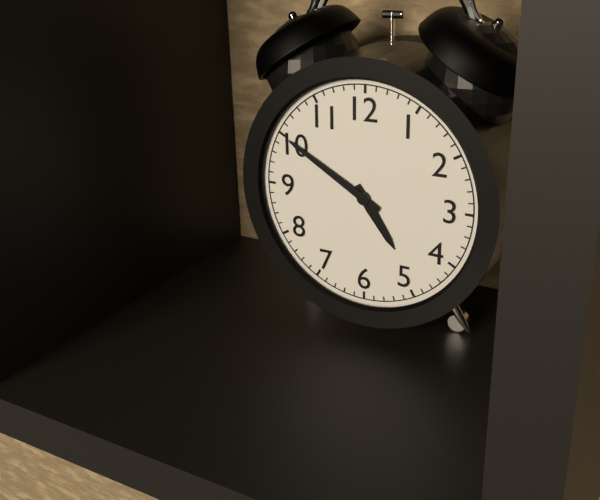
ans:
**4:50**
